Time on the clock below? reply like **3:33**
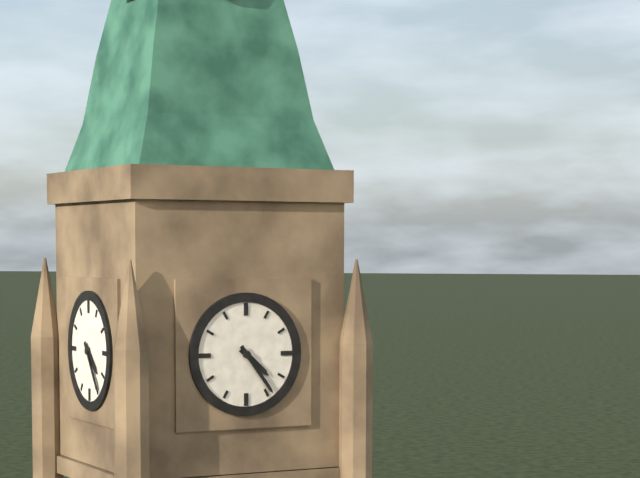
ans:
**4:24**
